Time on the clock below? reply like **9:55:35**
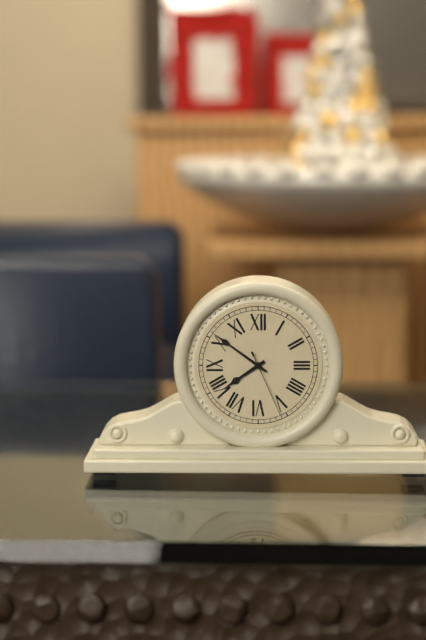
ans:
**7:51:26**
